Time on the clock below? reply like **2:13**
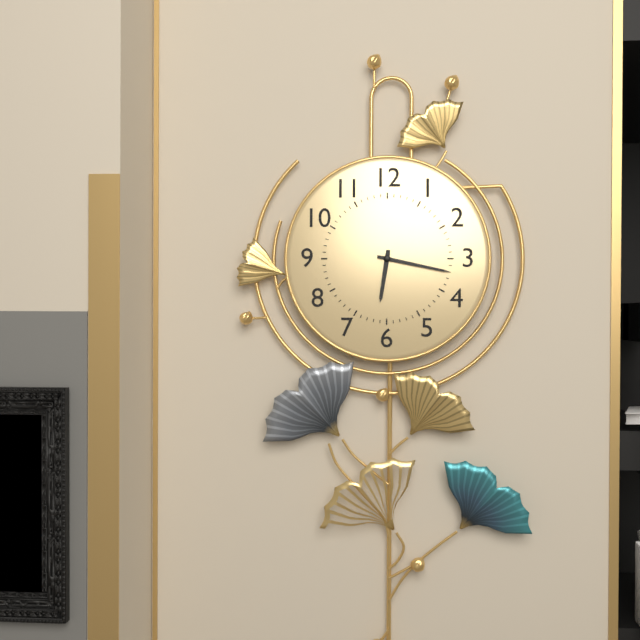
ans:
**6:17**
